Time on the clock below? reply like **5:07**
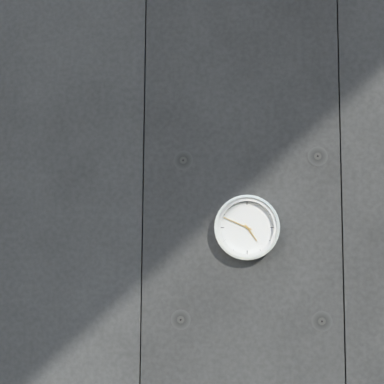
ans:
**4:49**
